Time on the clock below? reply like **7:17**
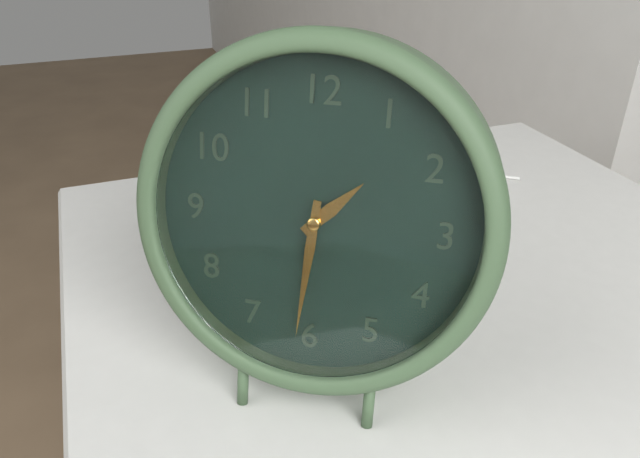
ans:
**1:31**
